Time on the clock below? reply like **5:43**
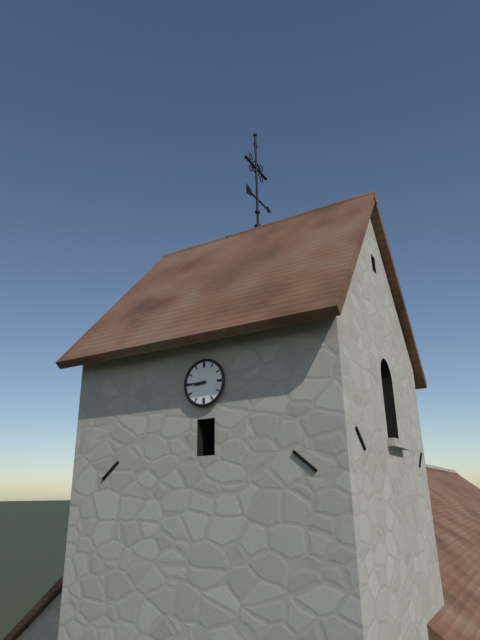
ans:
**8:45**
